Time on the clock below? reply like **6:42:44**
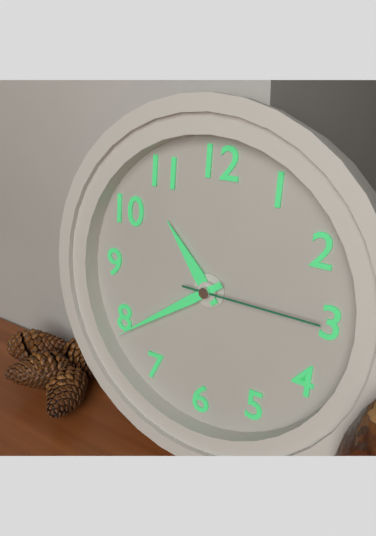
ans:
**10:39:15**
